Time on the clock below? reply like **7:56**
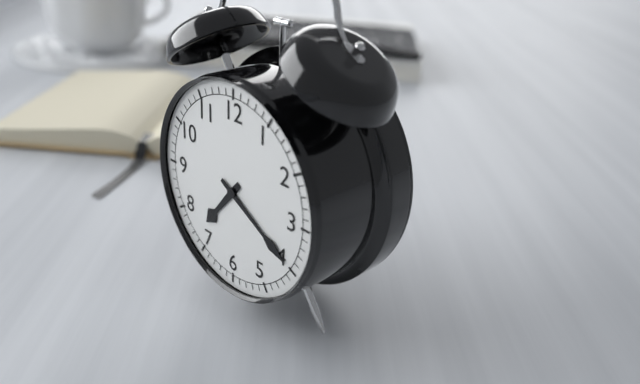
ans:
**7:20**
